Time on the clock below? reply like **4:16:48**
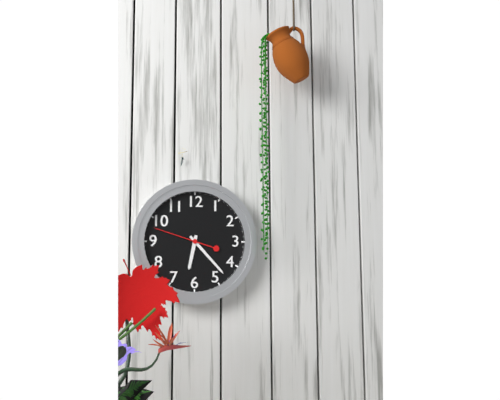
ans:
**6:23:48**
